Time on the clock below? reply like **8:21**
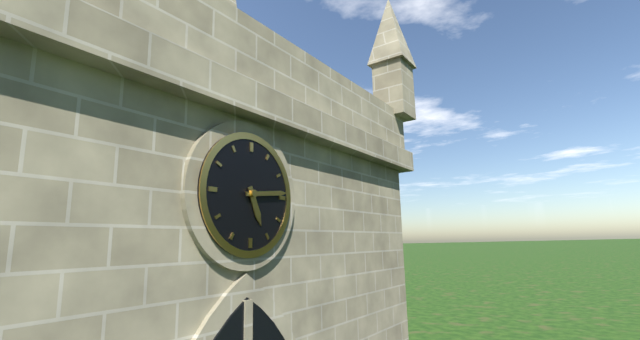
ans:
**5:14**
